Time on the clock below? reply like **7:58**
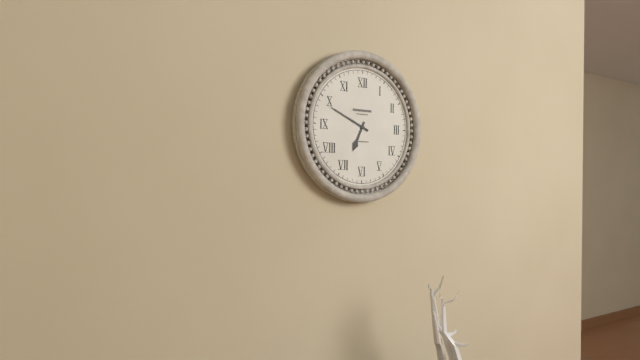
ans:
**6:49**
